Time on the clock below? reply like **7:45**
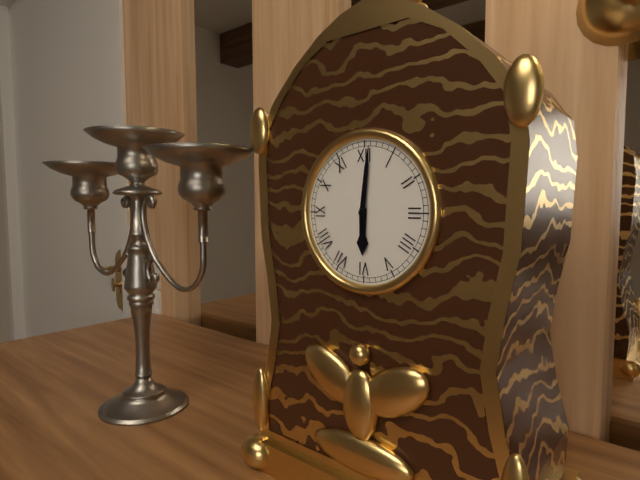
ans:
**6:01**
